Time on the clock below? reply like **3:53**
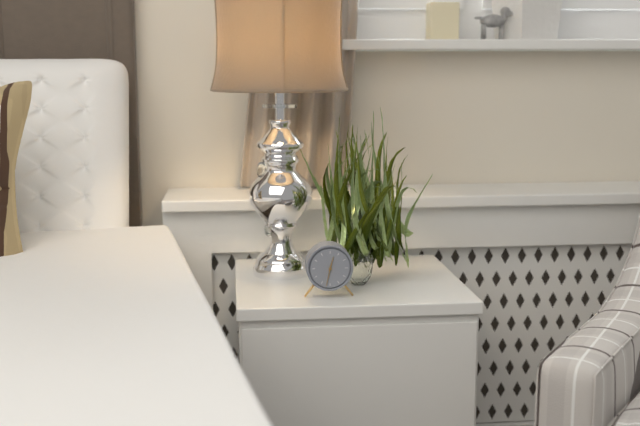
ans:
**12:32**
